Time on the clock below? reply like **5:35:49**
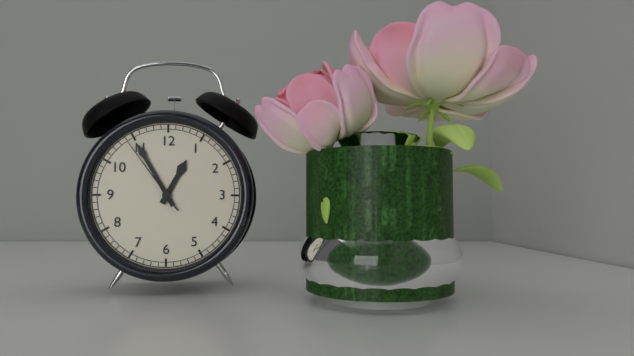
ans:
**12:55:54**
